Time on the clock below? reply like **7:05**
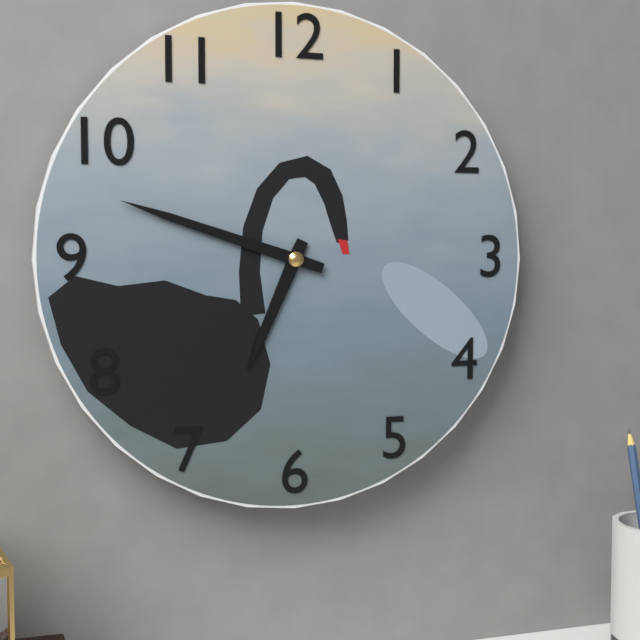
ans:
**6:48**
